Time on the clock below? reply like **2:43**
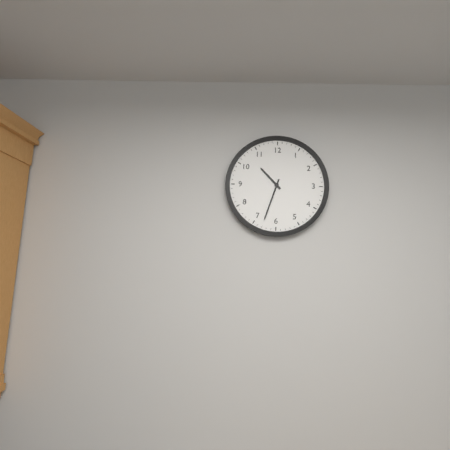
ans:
**10:33**
